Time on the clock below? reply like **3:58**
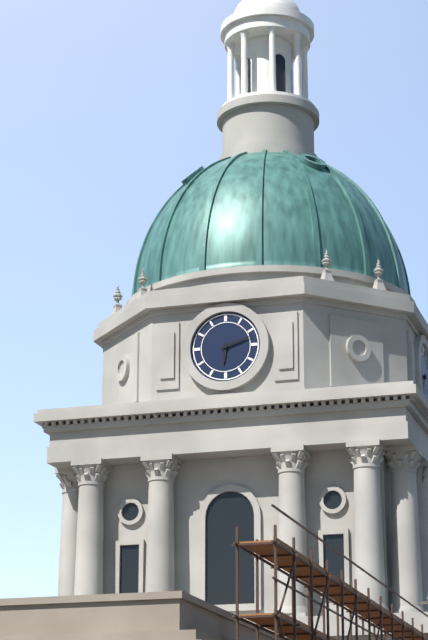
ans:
**6:12**
